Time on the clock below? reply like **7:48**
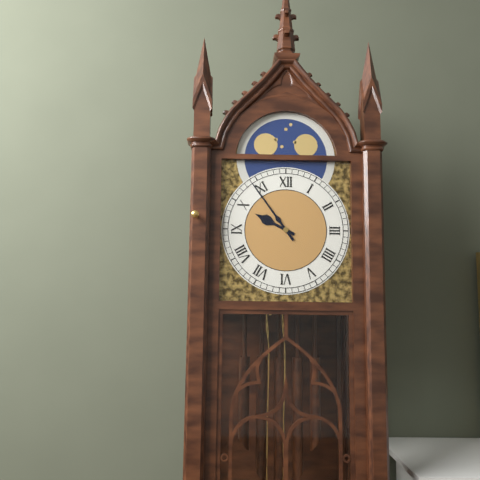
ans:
**9:54**
